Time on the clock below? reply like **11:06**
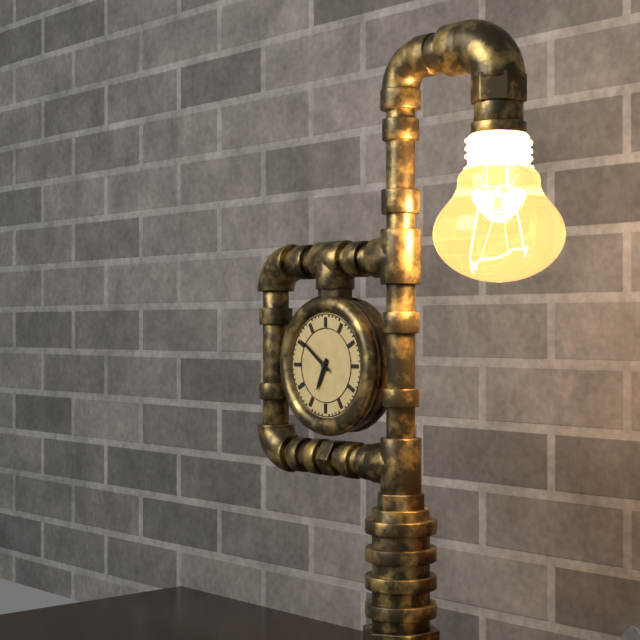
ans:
**6:51**
